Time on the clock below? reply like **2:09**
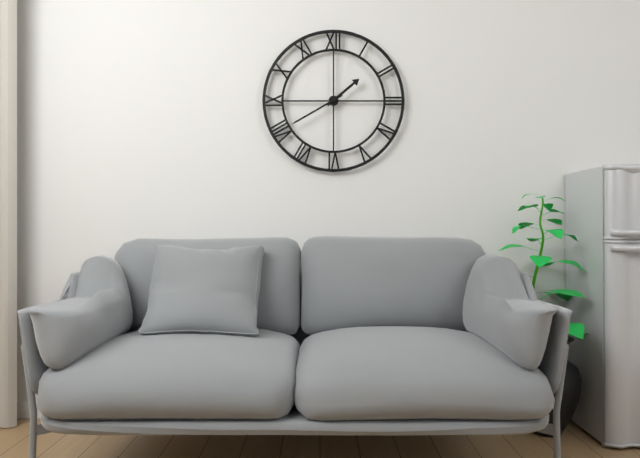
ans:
**1:40**
